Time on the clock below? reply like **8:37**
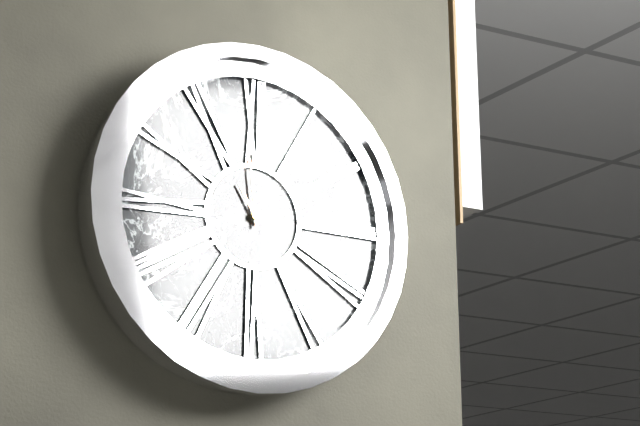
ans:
**10:59**
